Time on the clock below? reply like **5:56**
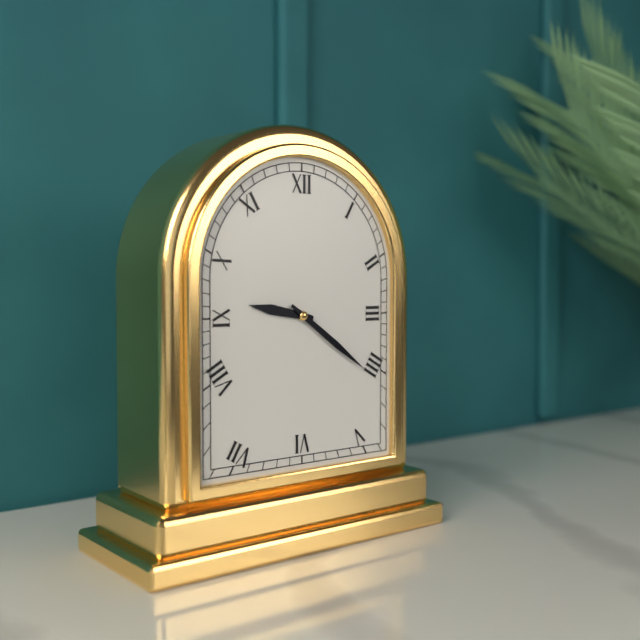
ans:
**9:21**
